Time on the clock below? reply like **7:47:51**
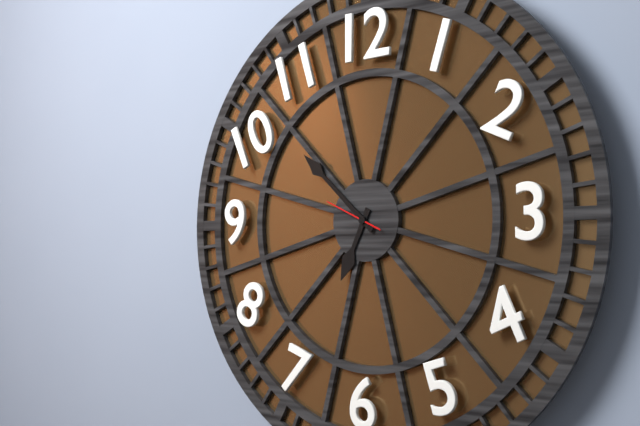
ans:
**6:52:49**
